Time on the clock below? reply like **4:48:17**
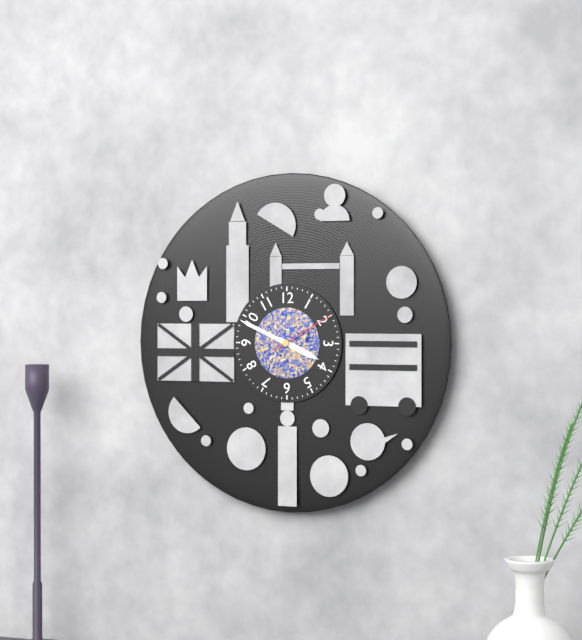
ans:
**3:49:10**
